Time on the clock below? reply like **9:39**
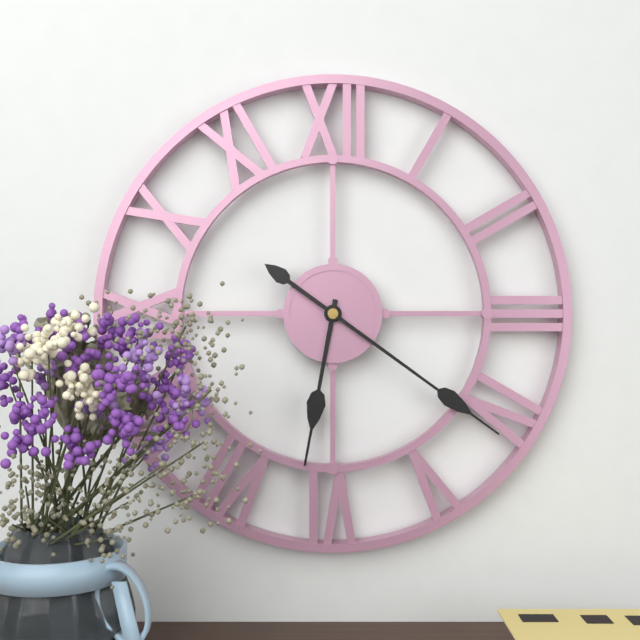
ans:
**6:21**
